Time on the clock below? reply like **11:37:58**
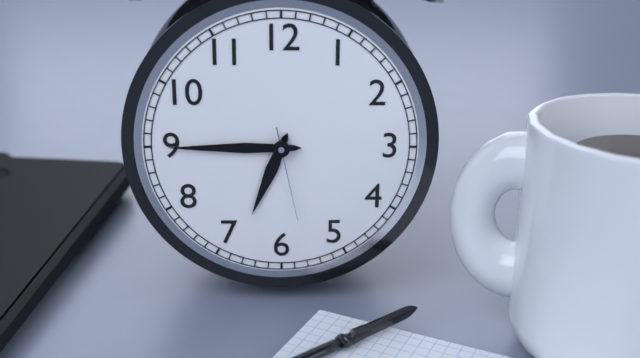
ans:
**6:45:28**
